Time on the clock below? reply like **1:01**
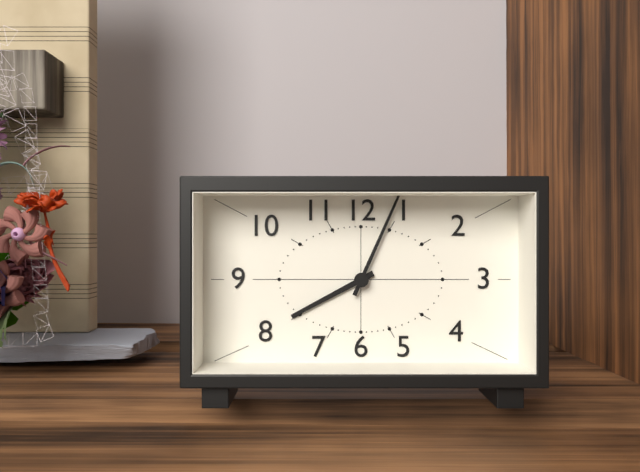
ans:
**8:04**
